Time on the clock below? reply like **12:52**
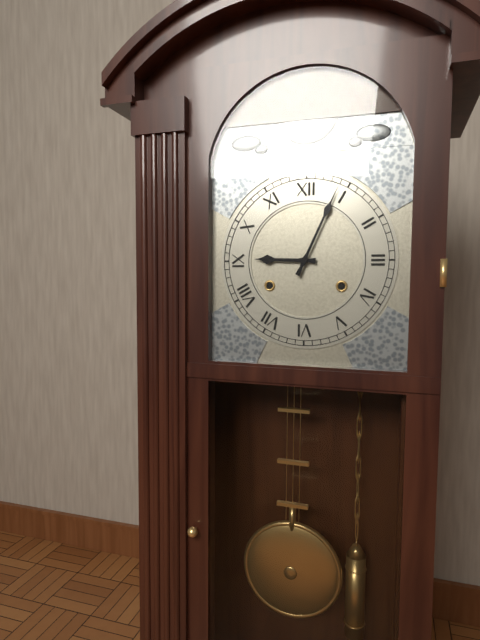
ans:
**9:04**
